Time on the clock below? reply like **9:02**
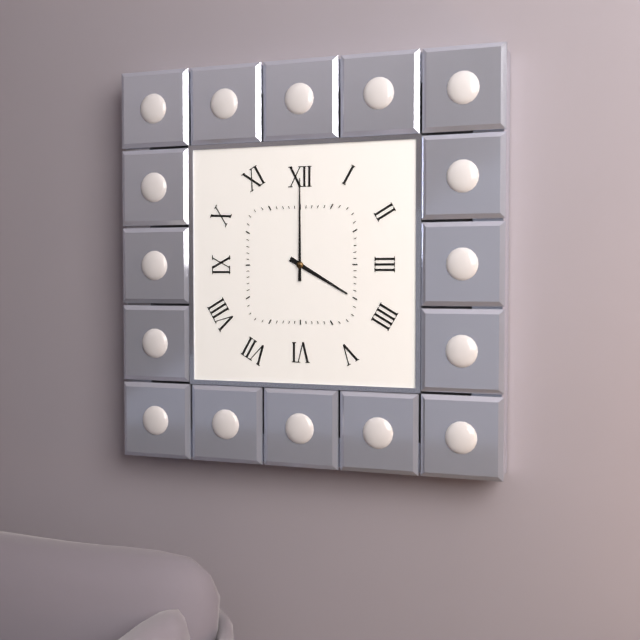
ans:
**4:00**
